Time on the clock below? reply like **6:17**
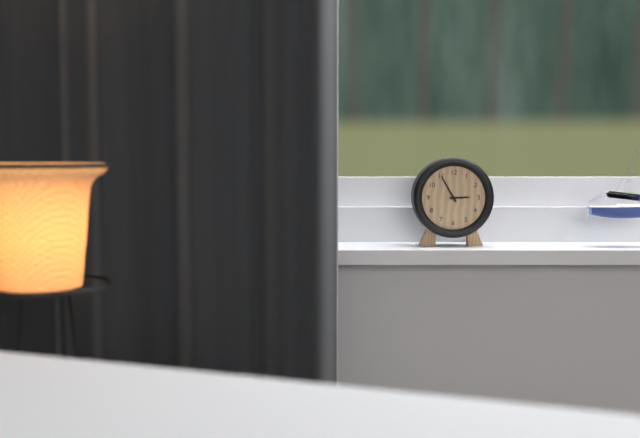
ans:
**2:55**
